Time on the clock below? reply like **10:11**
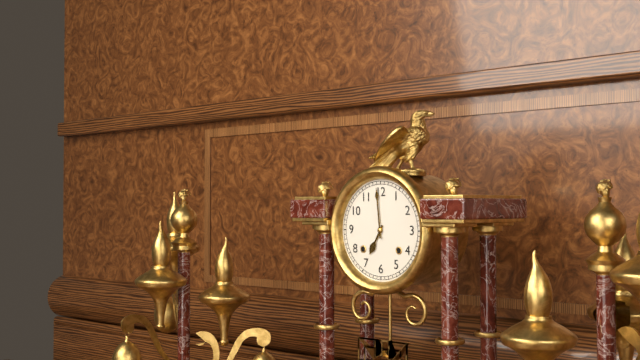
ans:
**6:59**
